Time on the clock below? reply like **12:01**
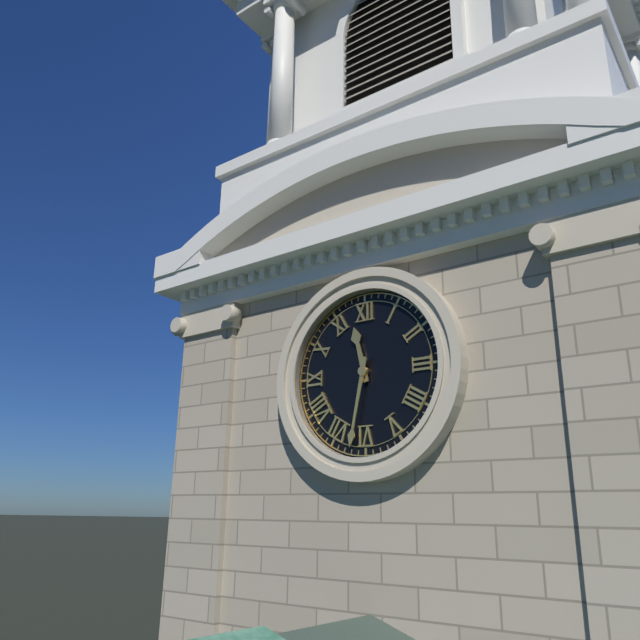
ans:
**11:32**
